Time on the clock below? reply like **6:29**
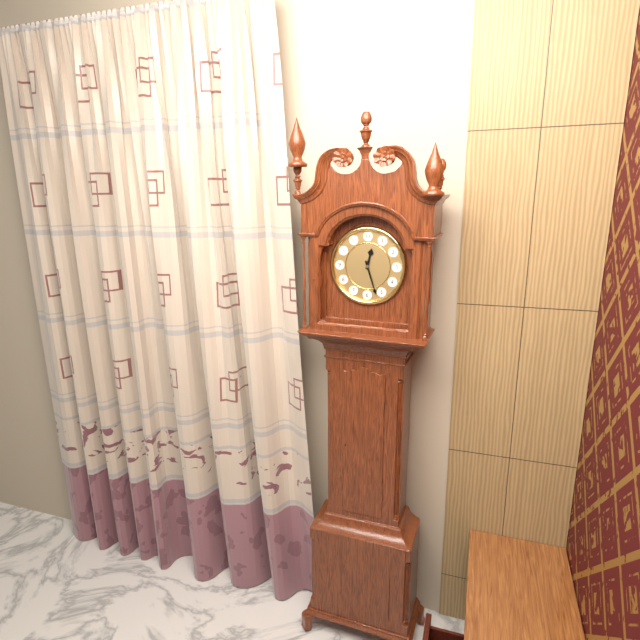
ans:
**12:27**
